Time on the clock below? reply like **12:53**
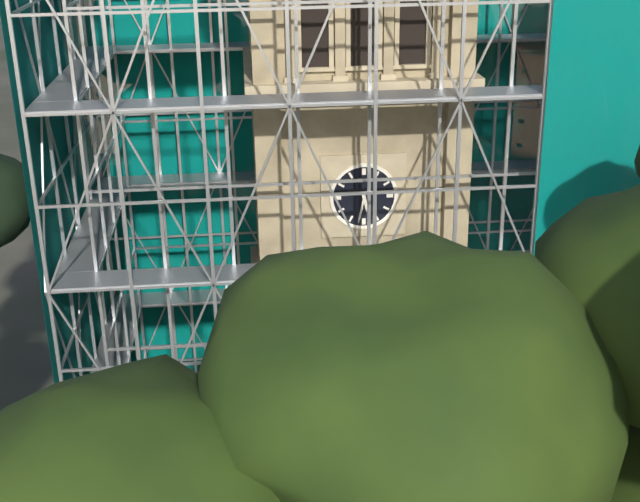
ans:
**5:32**
